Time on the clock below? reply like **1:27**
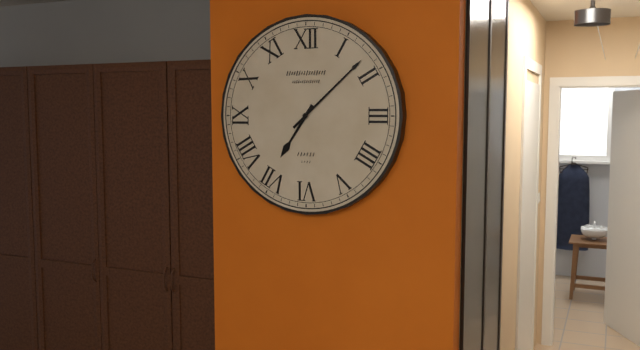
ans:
**7:08**
